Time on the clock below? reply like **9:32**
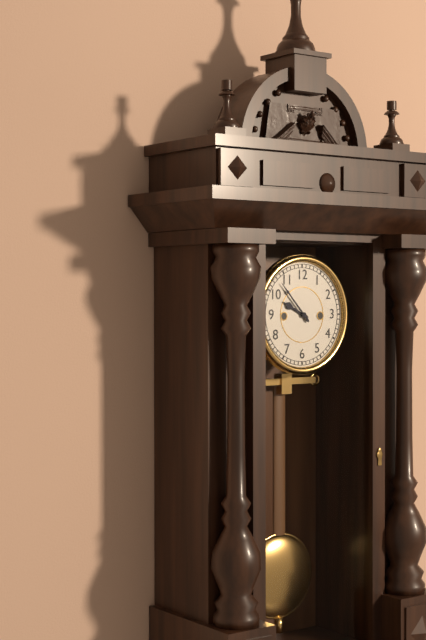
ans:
**9:53**
